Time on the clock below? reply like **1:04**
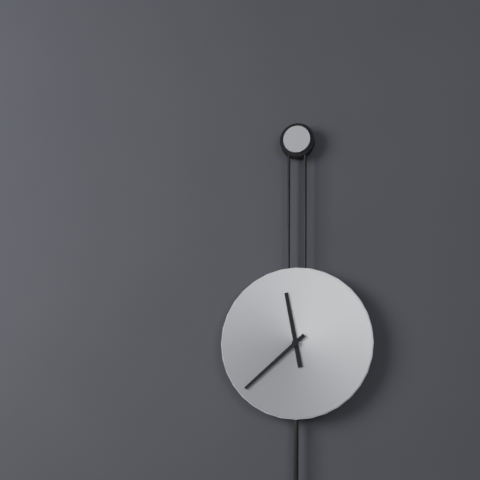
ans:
**11:38**
